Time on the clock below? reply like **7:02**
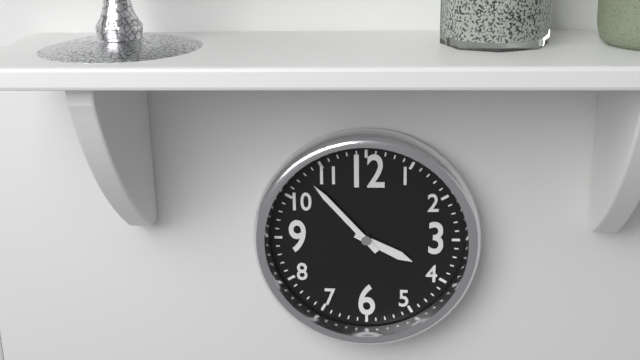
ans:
**3:53**
